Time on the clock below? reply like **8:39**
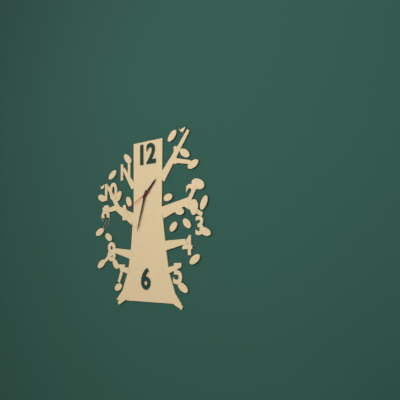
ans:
**1:33**
